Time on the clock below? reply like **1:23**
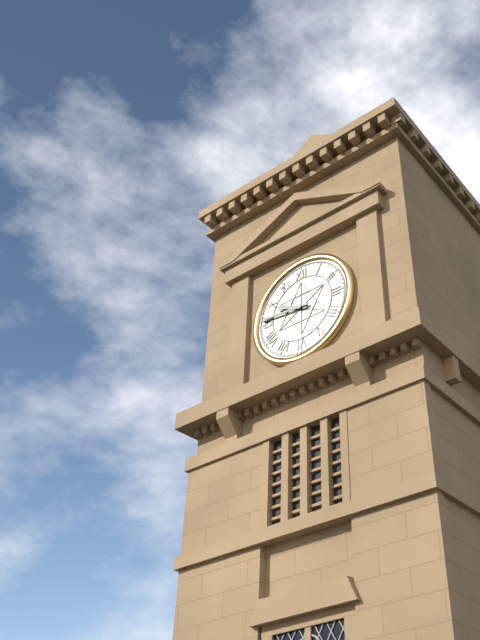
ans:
**9:46**
